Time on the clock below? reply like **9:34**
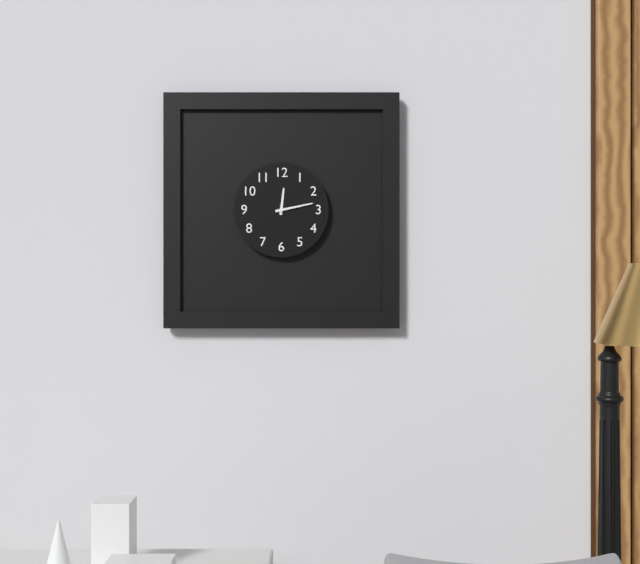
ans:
**12:13**
